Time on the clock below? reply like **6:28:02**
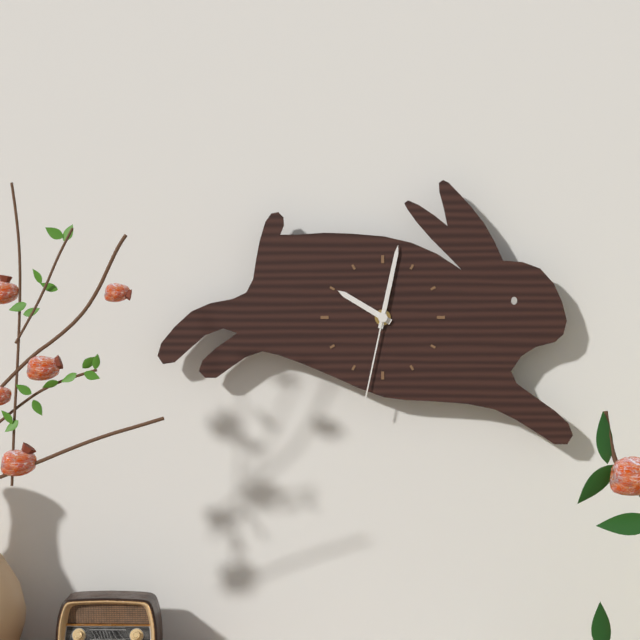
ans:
**10:02:32**
